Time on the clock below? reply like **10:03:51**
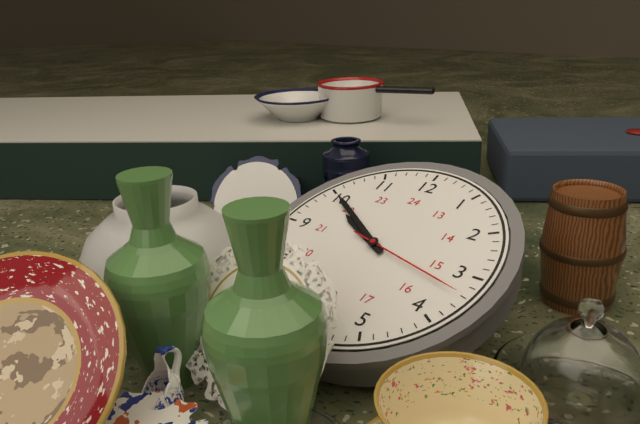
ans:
**9:50:17**
